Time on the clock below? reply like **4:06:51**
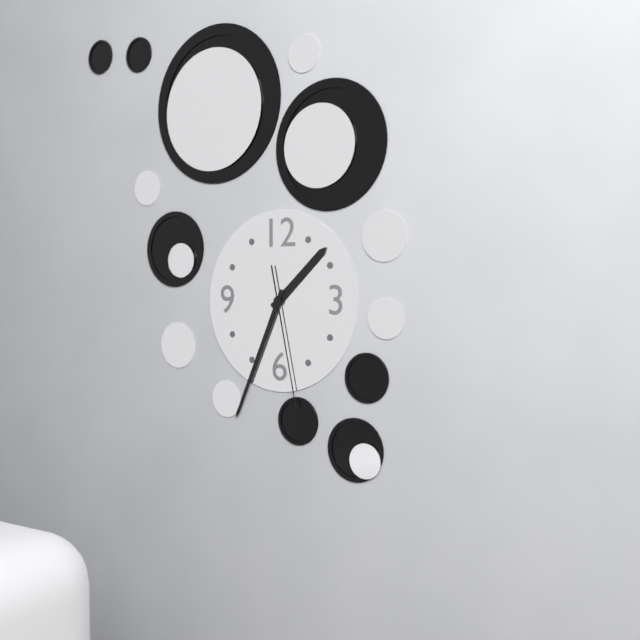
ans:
**1:34:28**
